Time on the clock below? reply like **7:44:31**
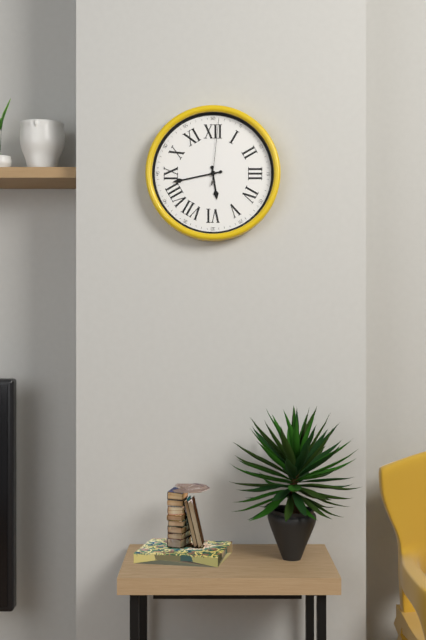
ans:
**5:43:01**
